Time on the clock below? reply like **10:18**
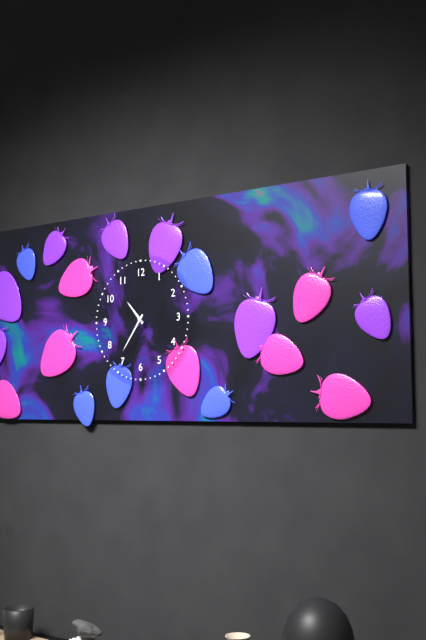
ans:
**10:36**
